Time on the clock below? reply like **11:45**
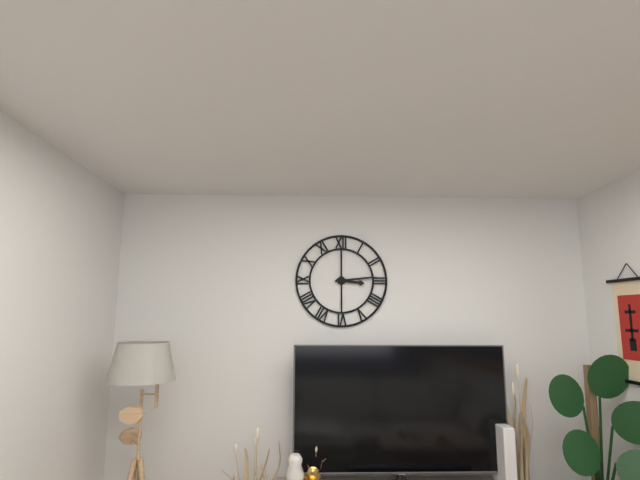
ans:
**3:14**
